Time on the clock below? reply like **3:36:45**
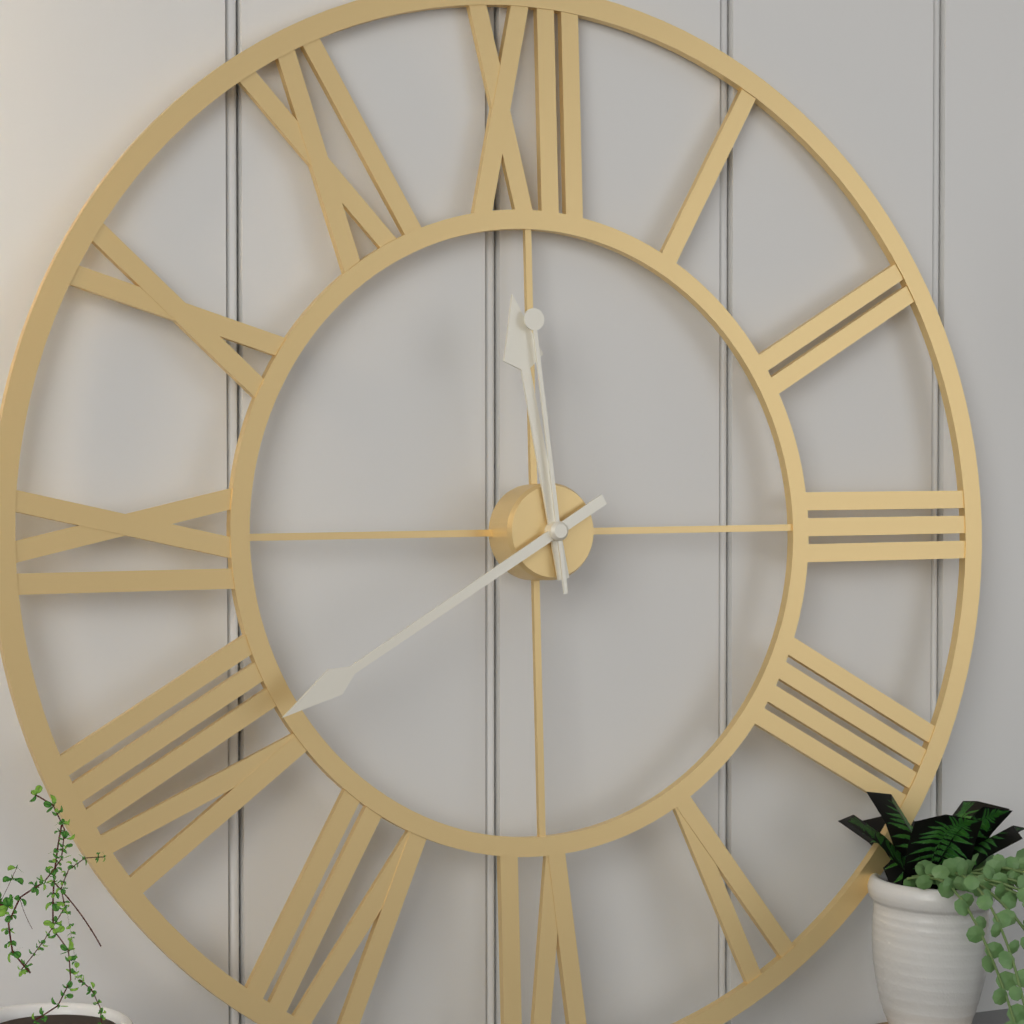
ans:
**11:40:59**
